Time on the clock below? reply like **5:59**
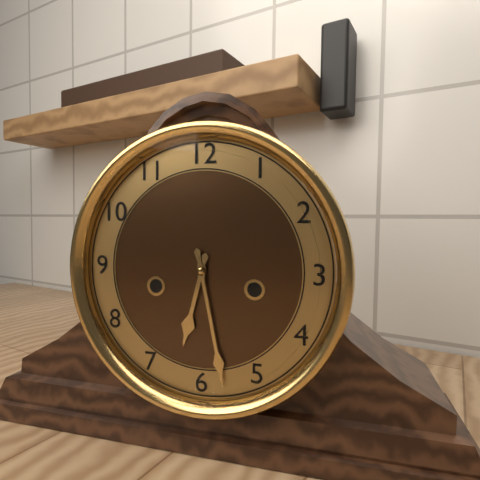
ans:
**6:28**
